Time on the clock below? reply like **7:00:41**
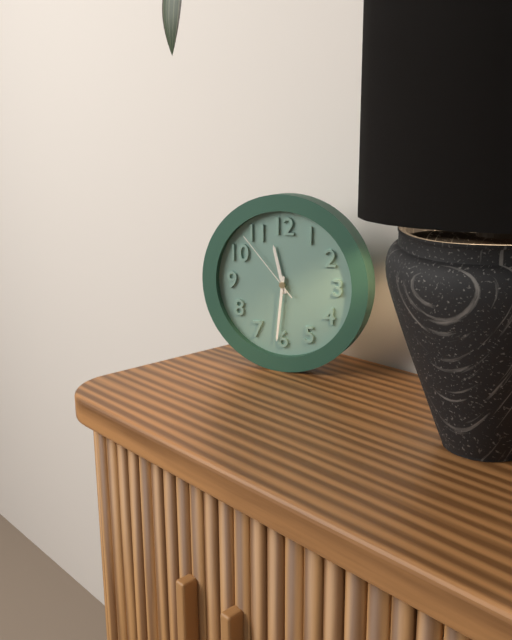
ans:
**11:31:53**
